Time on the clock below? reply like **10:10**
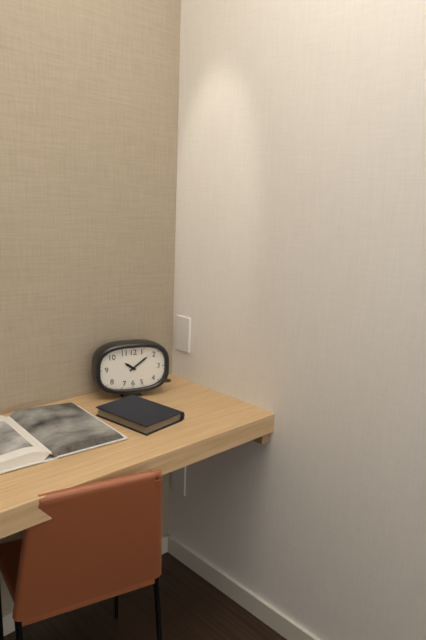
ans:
**10:09**
